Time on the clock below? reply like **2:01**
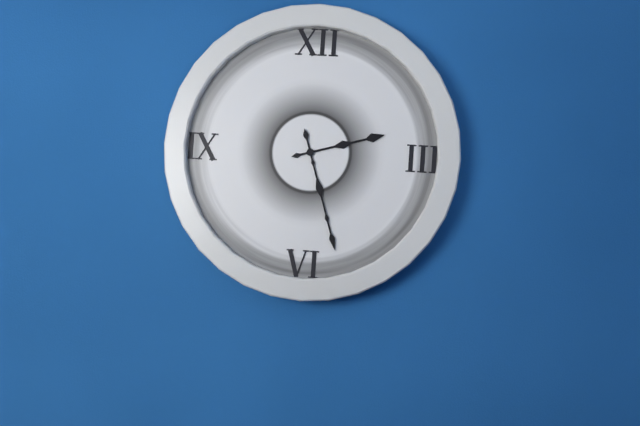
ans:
**2:27**
